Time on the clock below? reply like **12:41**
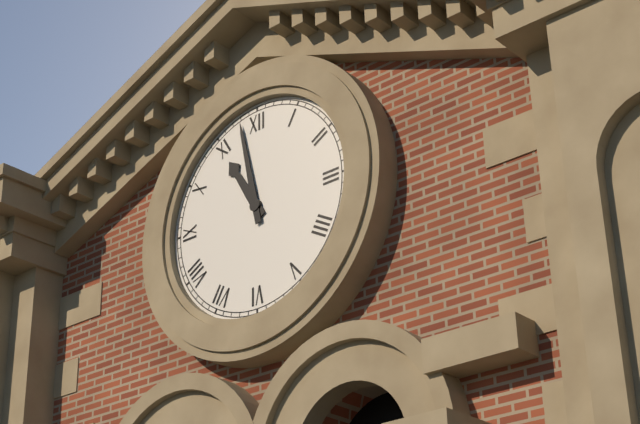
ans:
**10:58**
